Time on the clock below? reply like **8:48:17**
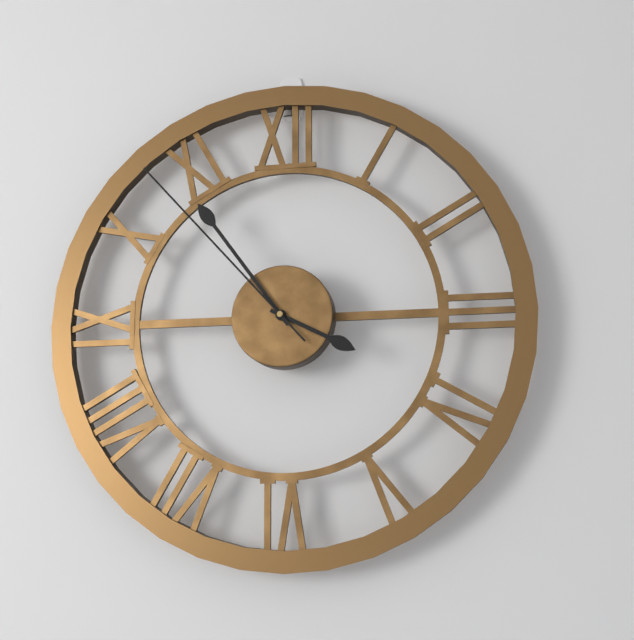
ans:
**3:54:53**
